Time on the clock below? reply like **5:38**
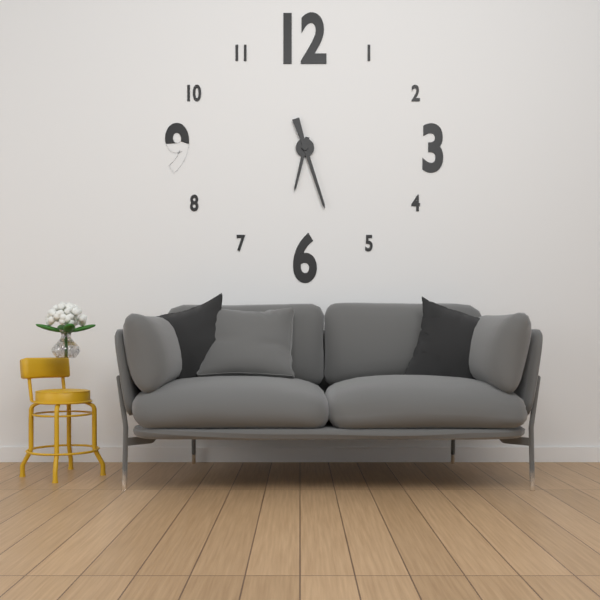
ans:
**6:27**
